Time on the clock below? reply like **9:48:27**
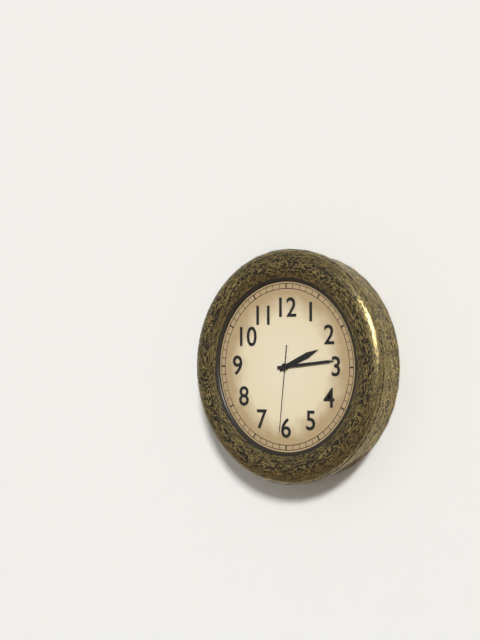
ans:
**2:14:31**
